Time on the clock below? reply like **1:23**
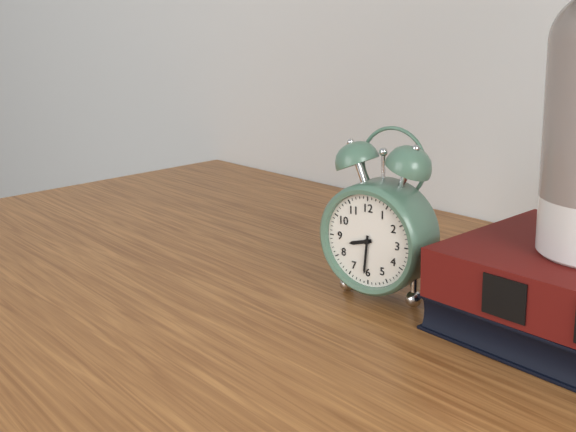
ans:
**8:31**
